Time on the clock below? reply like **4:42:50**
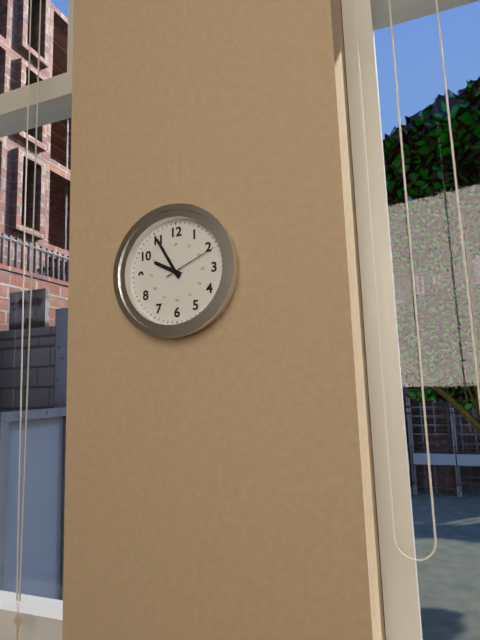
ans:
**9:55:11**
